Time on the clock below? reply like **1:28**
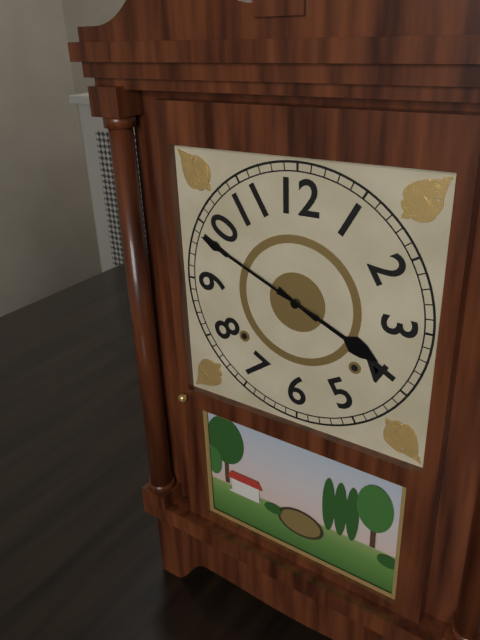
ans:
**3:49**
